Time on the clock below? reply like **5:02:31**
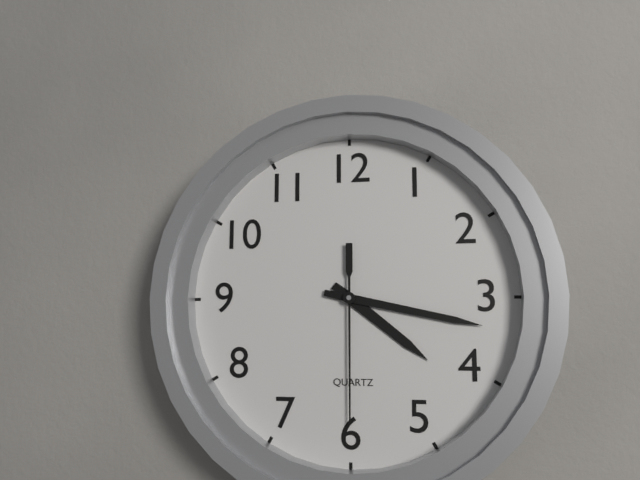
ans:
**4:17:30**
